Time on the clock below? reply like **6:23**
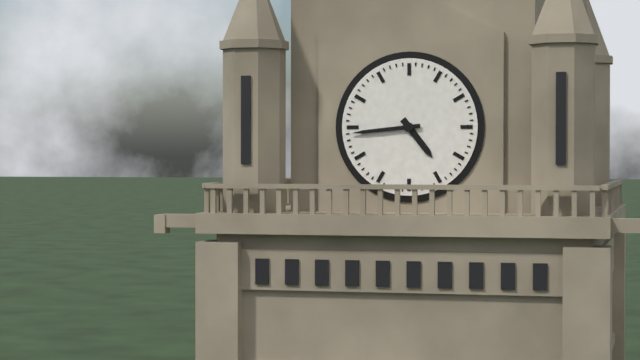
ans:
**4:44**
